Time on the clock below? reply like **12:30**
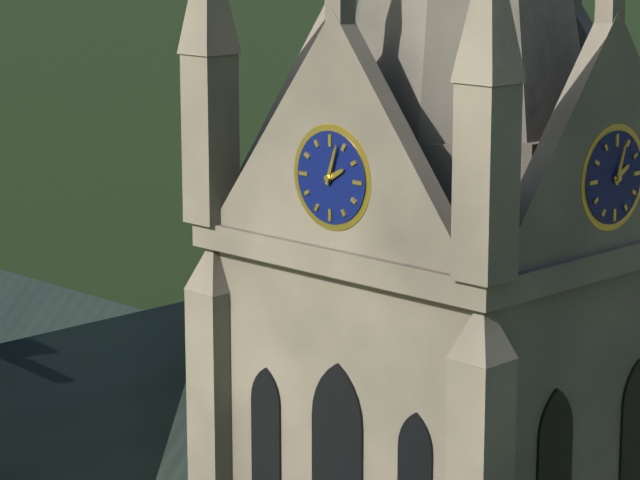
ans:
**2:03**
